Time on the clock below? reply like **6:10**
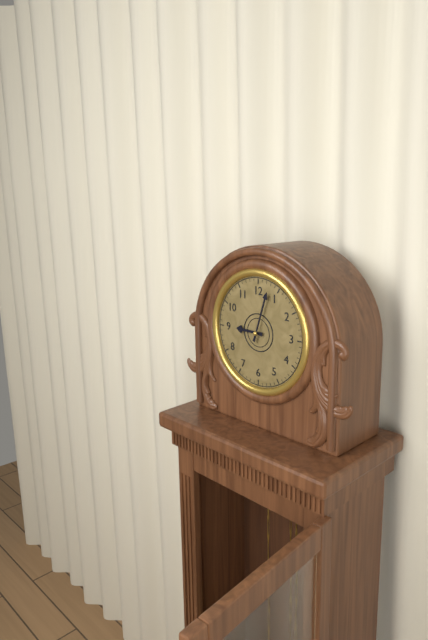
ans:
**9:03**
